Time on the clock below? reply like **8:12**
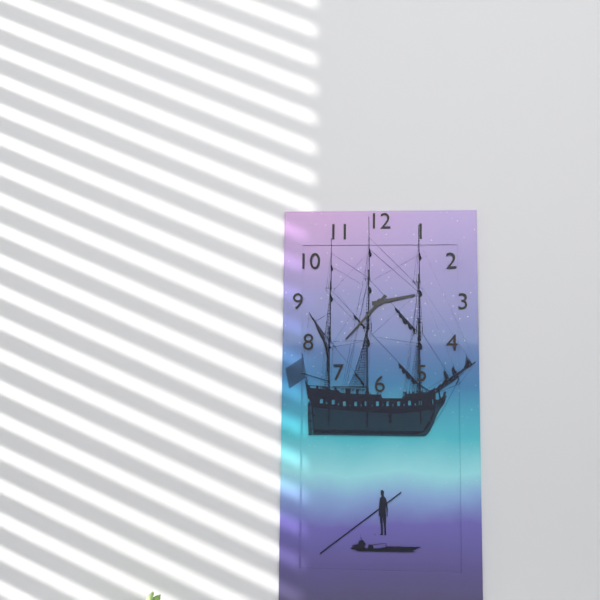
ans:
**2:37**
